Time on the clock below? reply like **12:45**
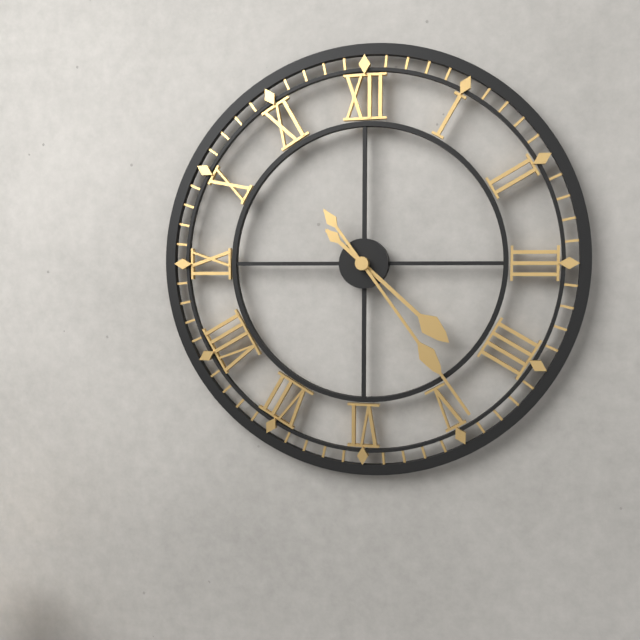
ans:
**4:24**
